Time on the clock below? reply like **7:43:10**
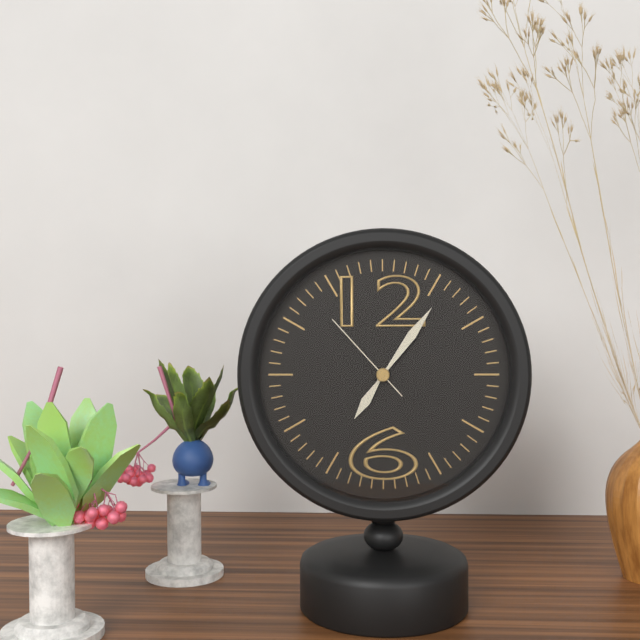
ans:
**7:06:53**
